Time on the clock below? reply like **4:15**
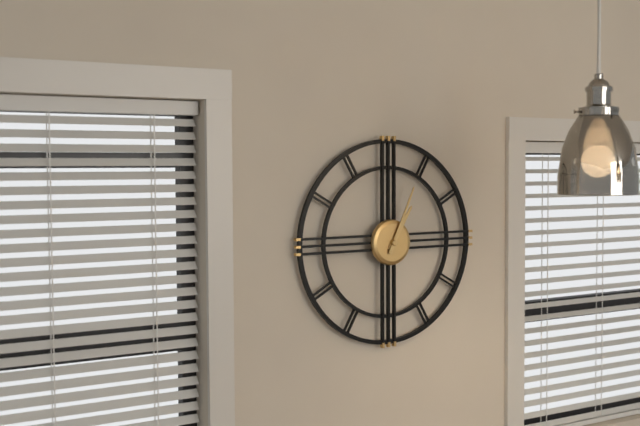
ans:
**1:04**
